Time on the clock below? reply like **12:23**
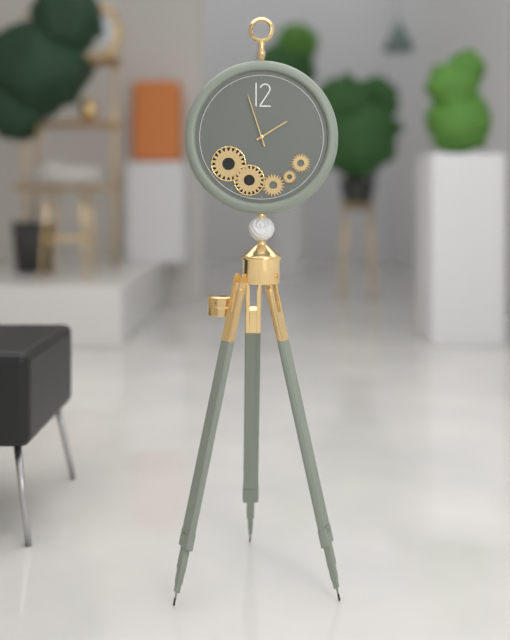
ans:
**1:57**
